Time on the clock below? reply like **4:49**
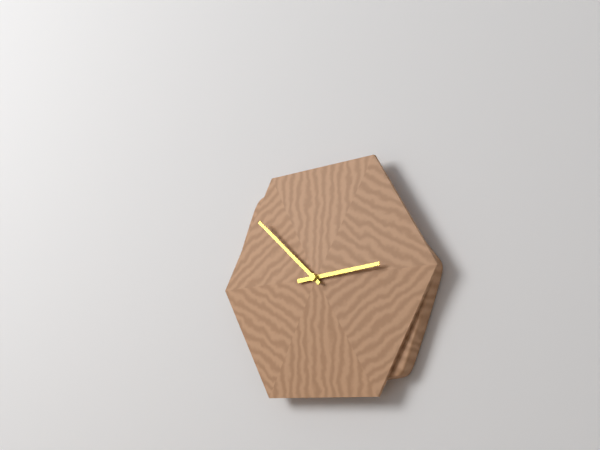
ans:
**2:52**
